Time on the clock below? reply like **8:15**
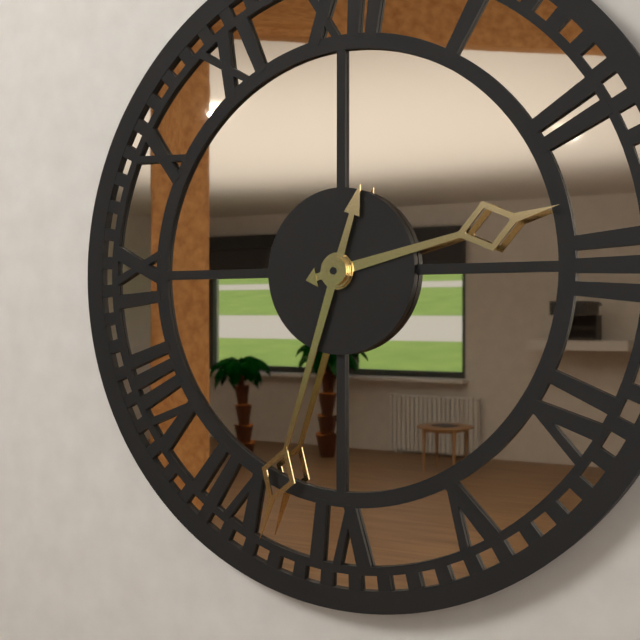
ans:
**2:33**
